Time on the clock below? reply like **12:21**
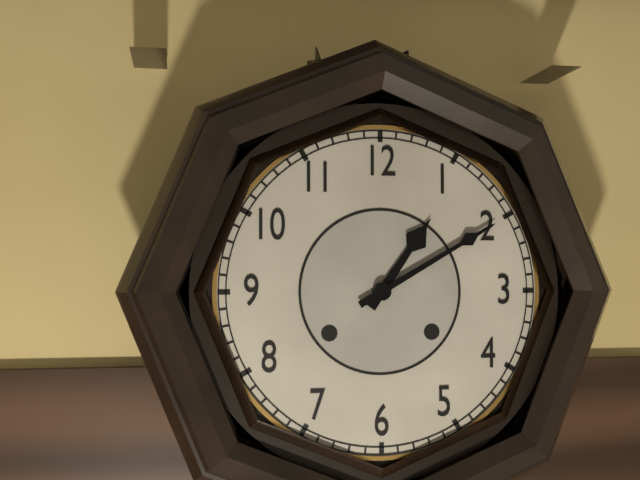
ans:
**1:10**
